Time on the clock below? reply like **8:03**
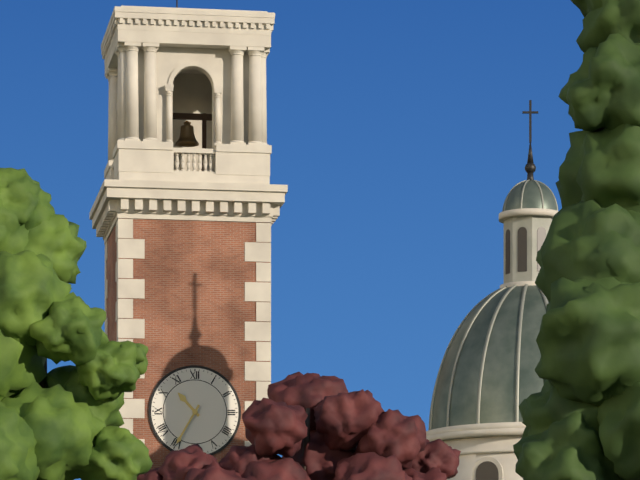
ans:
**10:35**
